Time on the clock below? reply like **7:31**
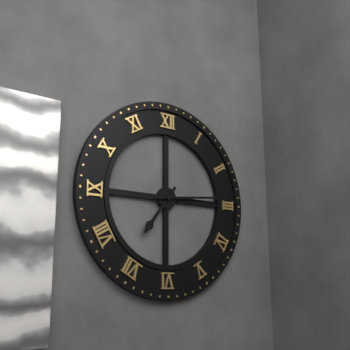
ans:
**7:14**
